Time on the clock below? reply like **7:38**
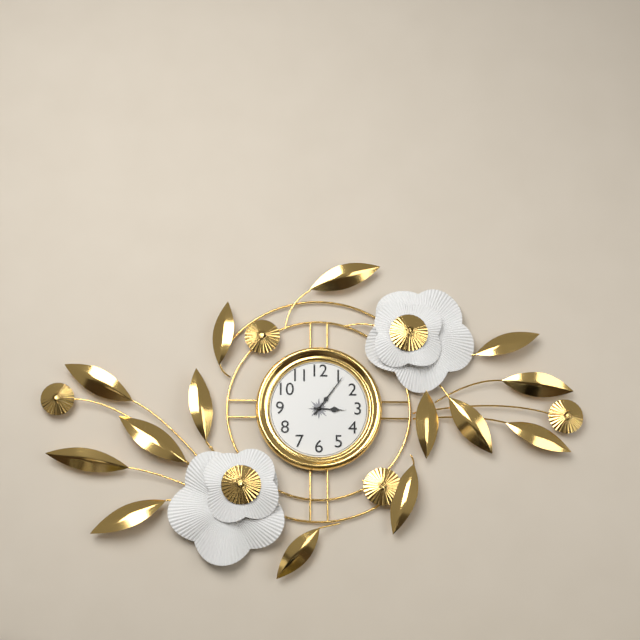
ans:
**3:06**
